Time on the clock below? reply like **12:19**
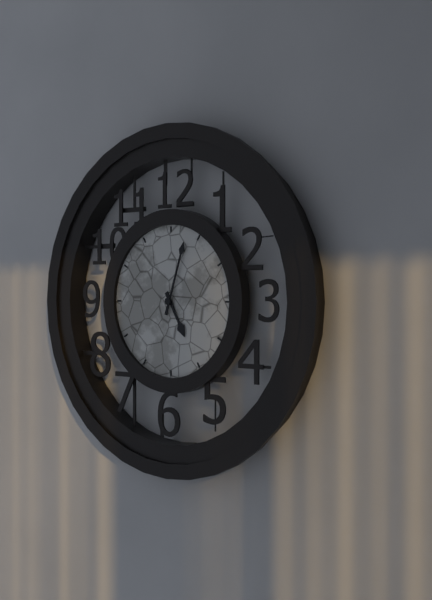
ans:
**5:03**
